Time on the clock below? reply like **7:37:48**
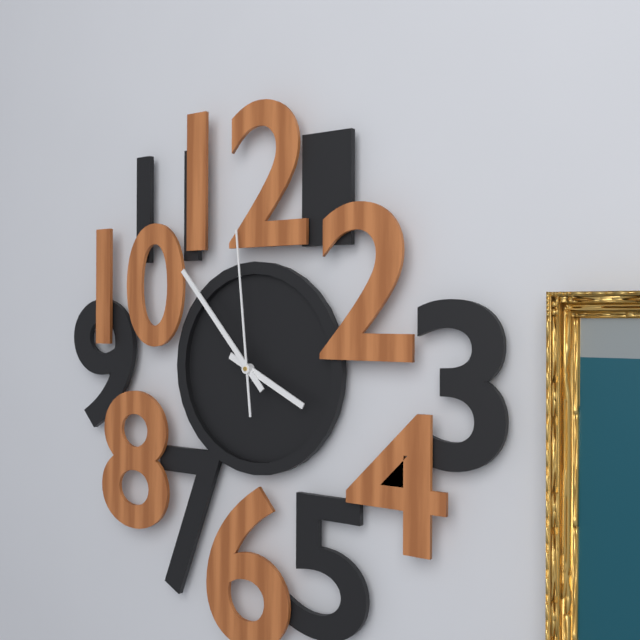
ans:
**3:53:59**
